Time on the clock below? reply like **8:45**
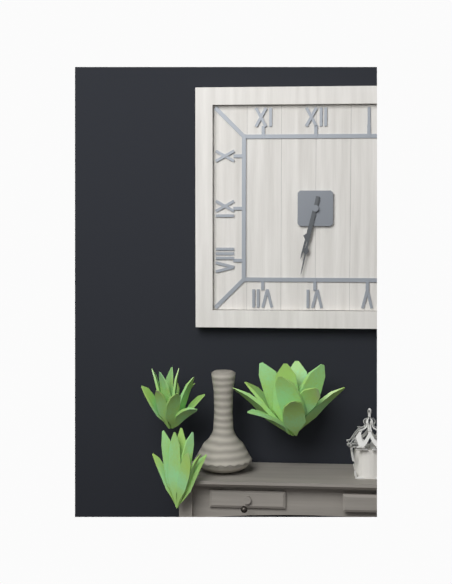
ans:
**6:32**
